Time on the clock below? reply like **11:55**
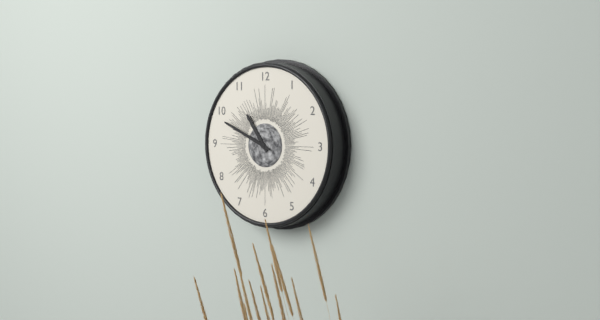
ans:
**10:49**
